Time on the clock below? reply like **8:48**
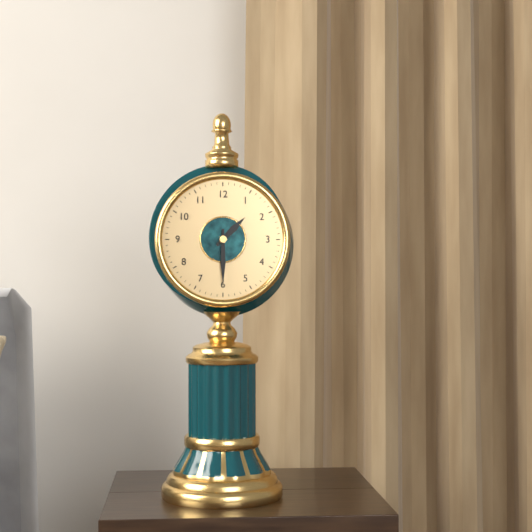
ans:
**1:30**
